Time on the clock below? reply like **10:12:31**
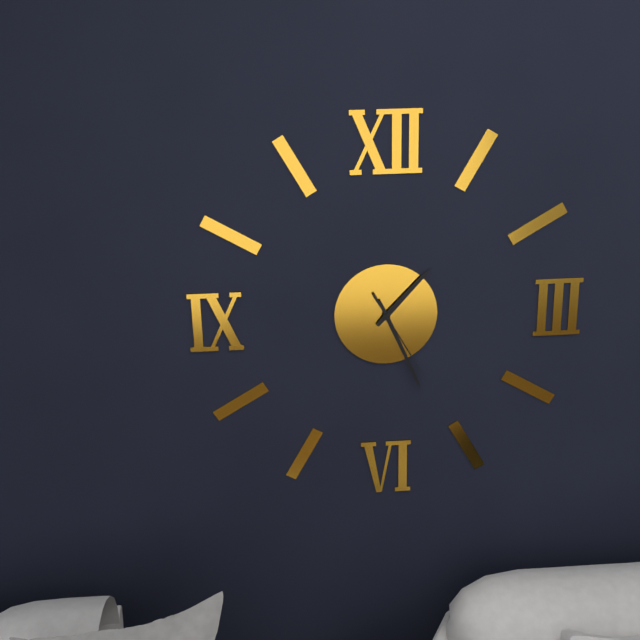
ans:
**1:26:25**
